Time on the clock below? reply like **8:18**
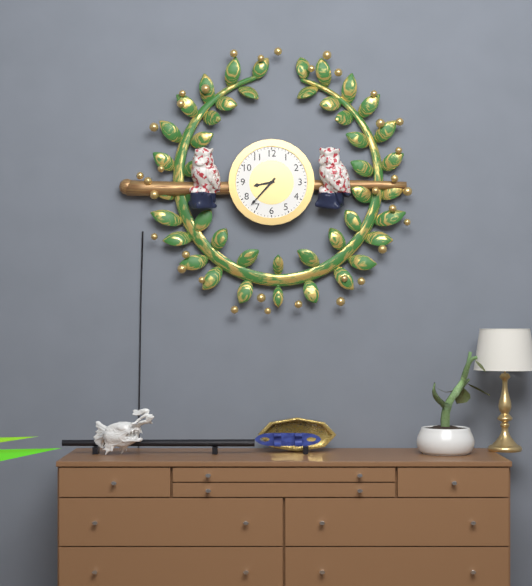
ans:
**8:37**
